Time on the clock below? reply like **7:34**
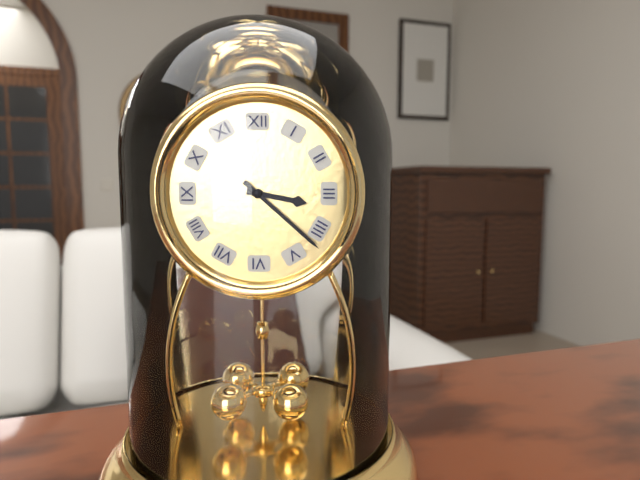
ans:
**3:22**
